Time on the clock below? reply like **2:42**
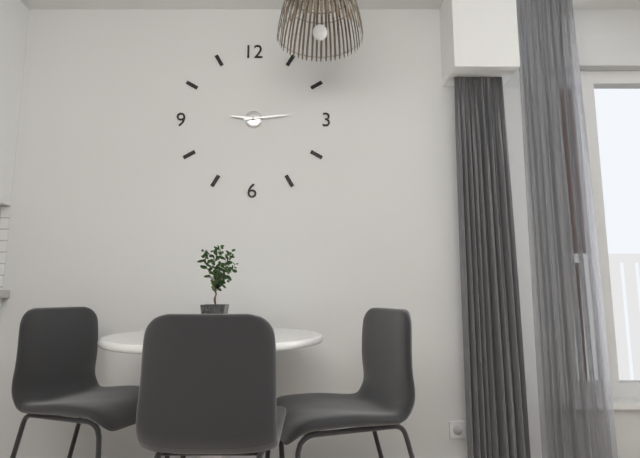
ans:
**9:14**
